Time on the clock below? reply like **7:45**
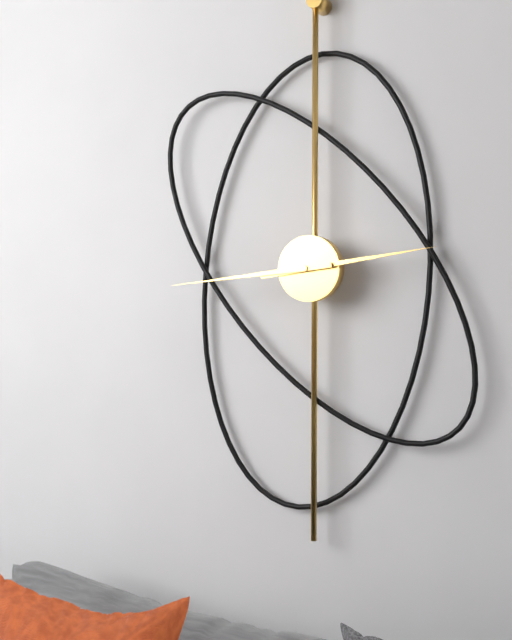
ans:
**2:44**
